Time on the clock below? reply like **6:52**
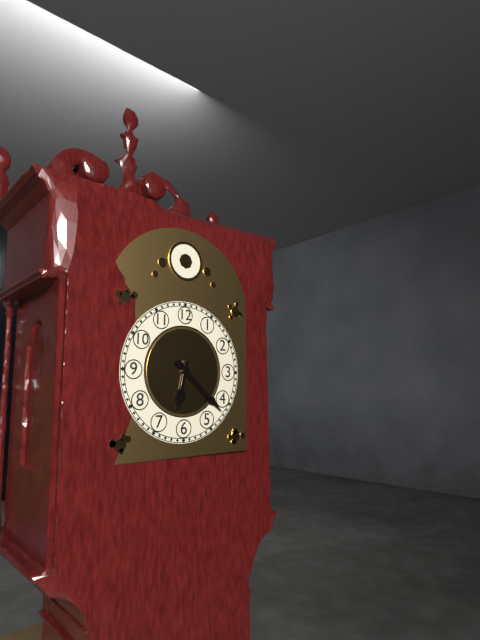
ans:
**6:22**
